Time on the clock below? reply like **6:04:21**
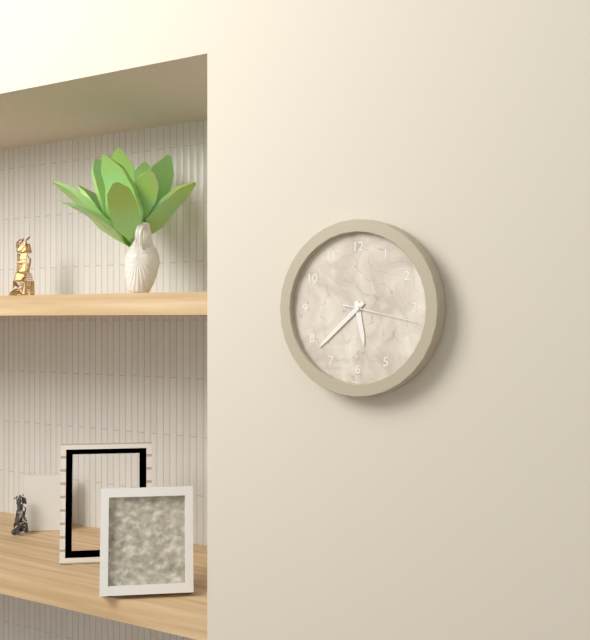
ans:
**5:38:17**
